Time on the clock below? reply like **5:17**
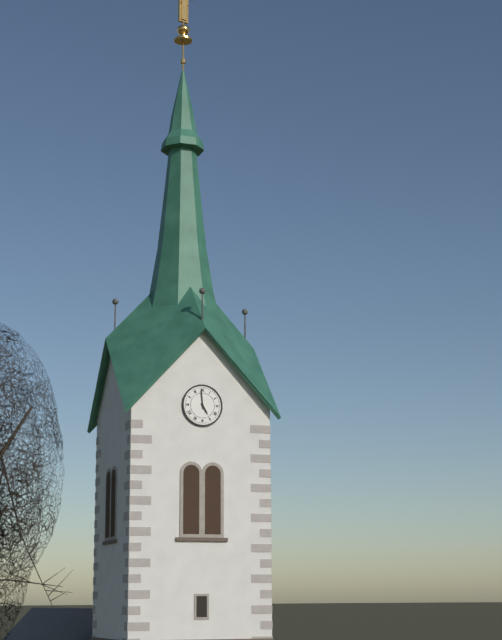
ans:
**4:59**
